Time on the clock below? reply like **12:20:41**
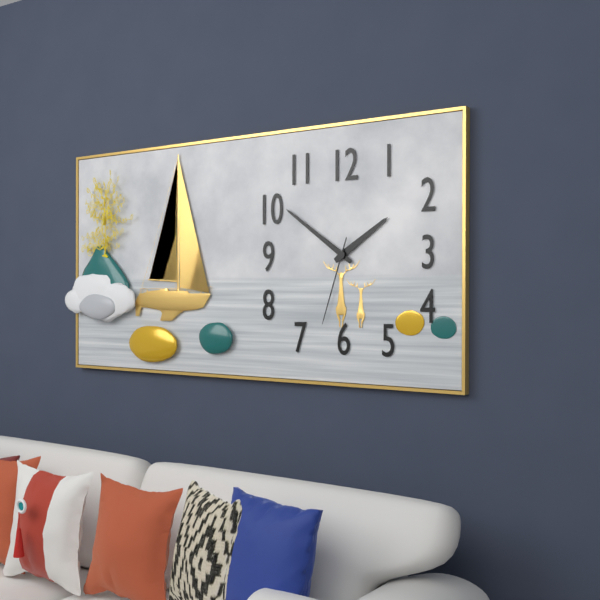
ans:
**1:51:33**
